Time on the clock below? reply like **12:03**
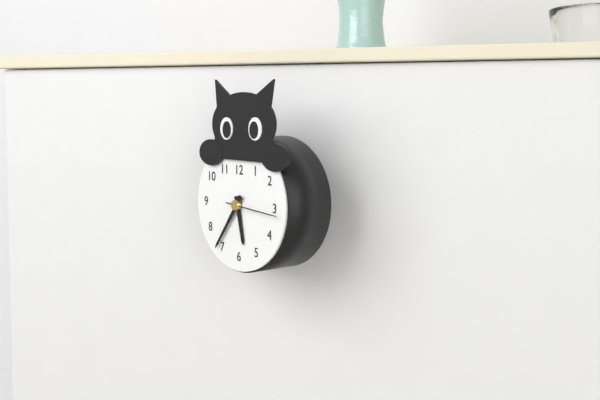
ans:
**5:36**
